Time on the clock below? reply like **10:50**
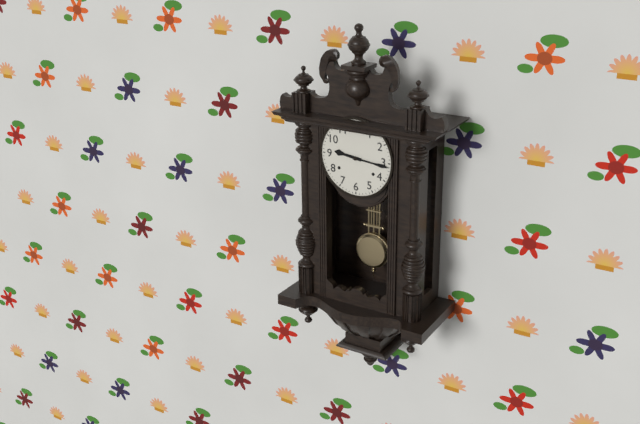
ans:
**9:16**
